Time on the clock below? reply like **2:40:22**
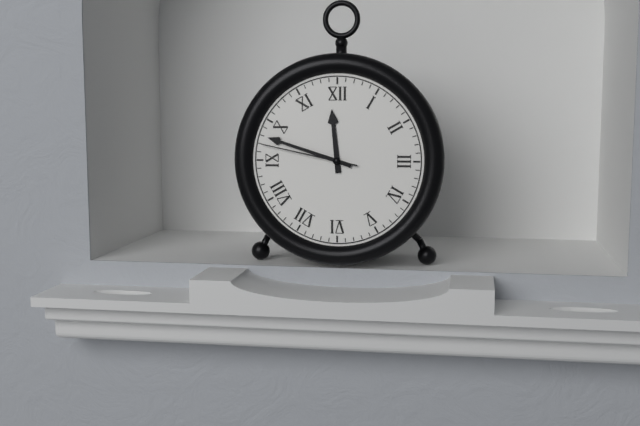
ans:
**11:48:47**
